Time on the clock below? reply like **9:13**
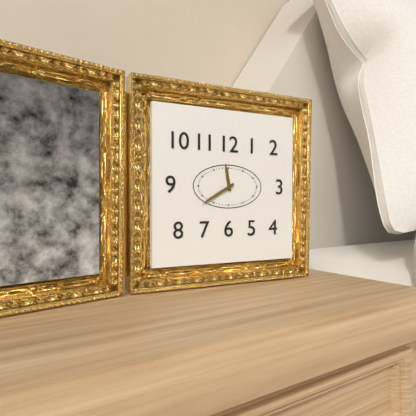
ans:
**11:40**
